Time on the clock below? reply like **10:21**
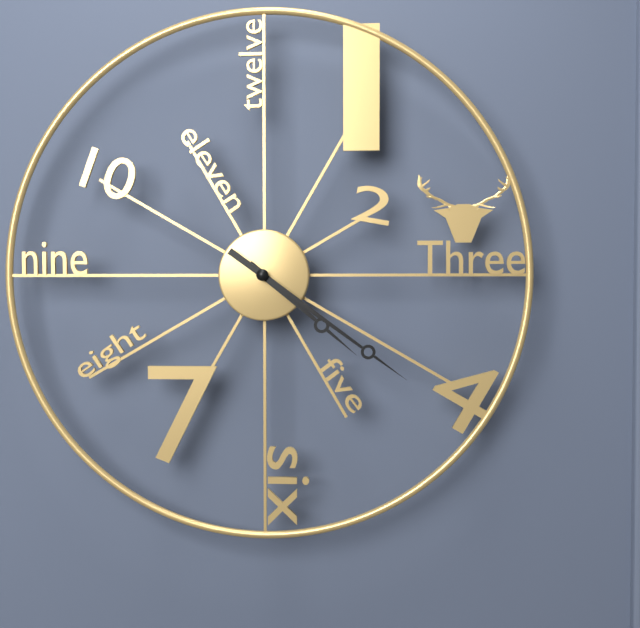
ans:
**4:21**
